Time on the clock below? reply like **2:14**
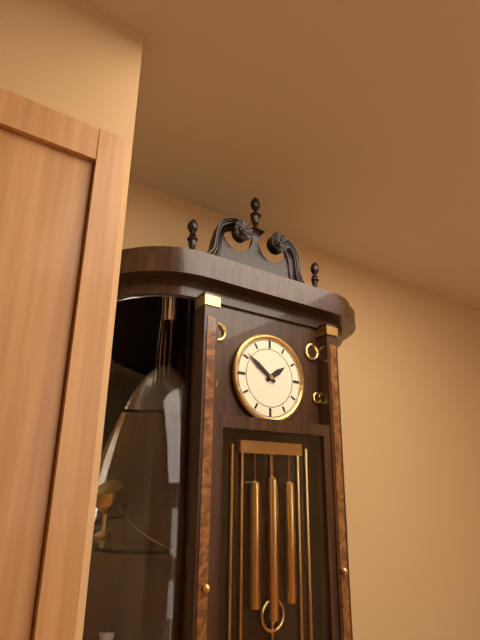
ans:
**1:51**
